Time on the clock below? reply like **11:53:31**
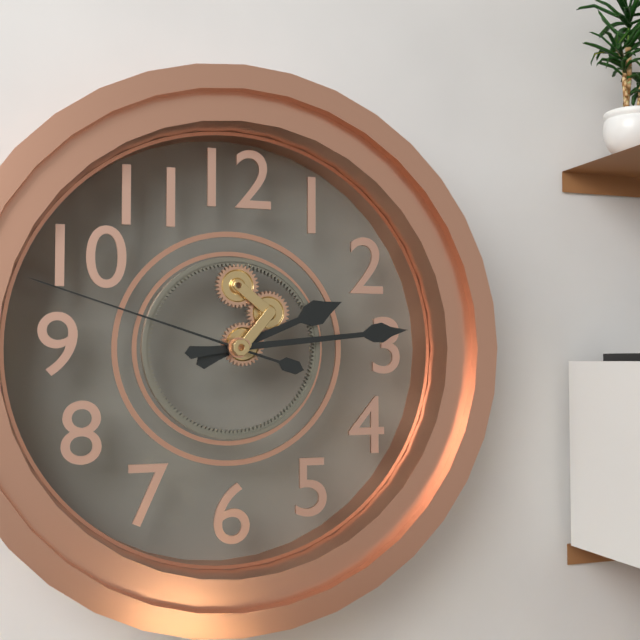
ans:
**2:14:48**
